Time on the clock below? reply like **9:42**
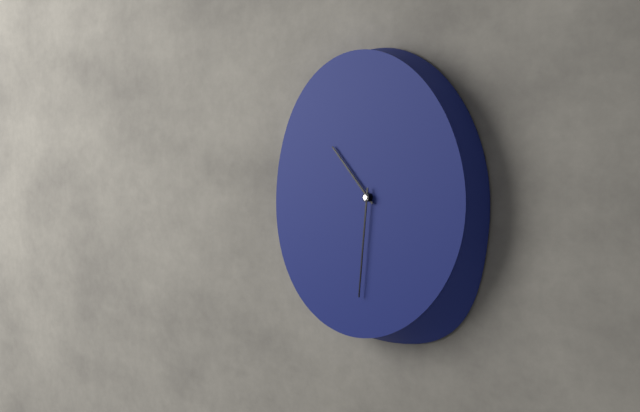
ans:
**10:31**
